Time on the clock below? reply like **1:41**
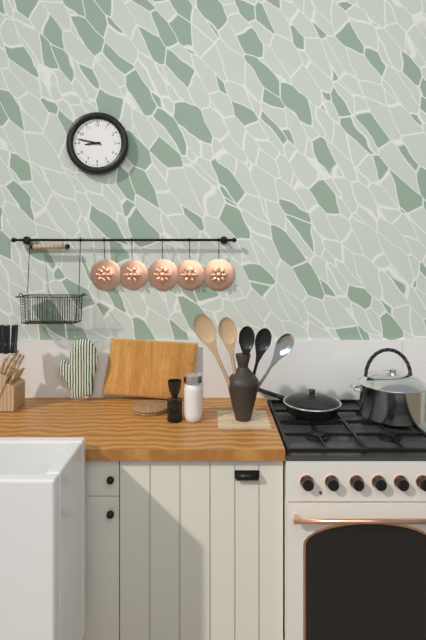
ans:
**8:47**
